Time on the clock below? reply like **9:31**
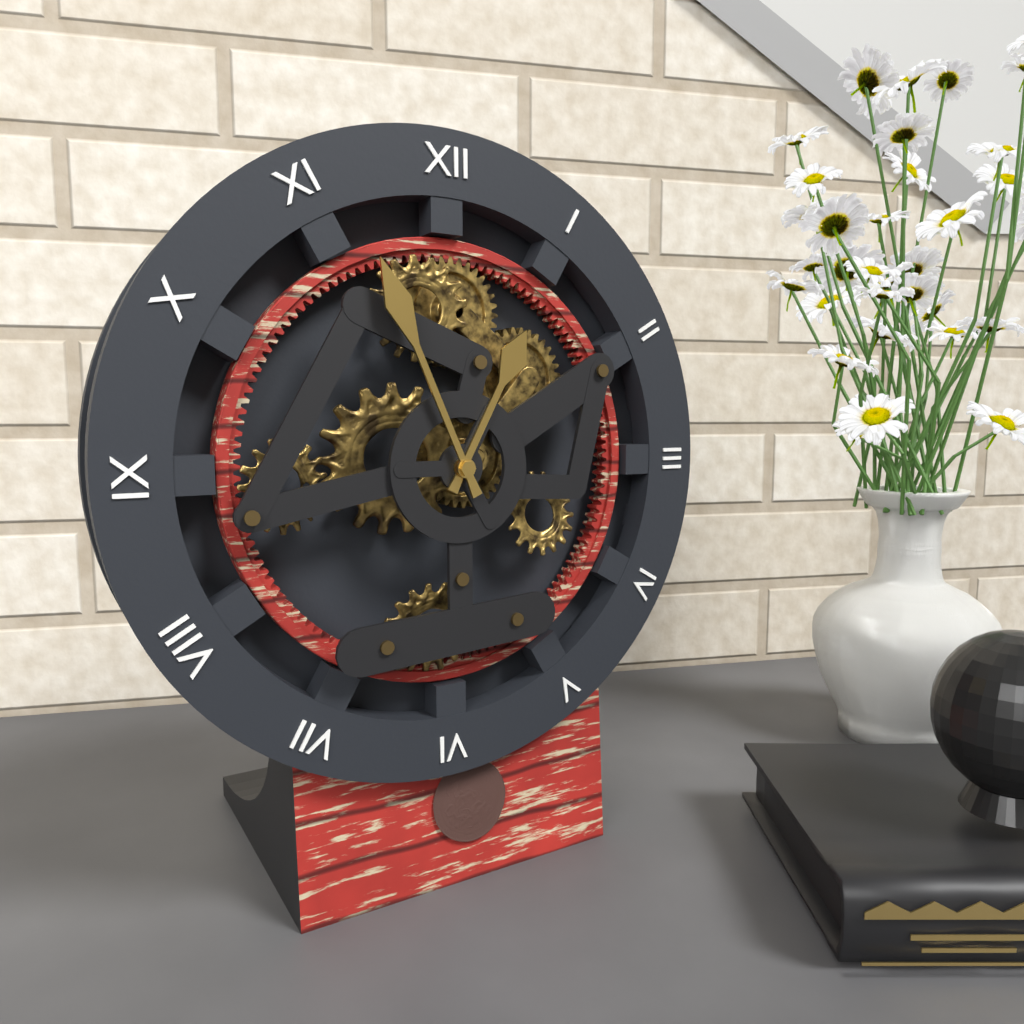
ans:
**12:56**
